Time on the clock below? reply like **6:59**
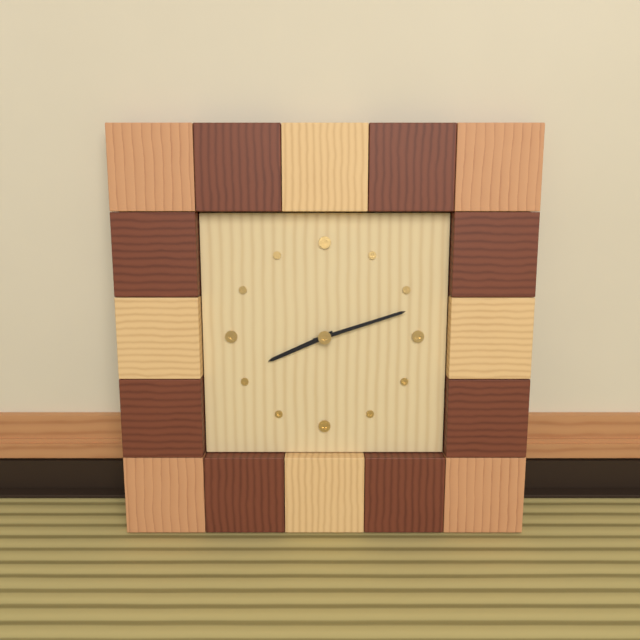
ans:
**8:12**
